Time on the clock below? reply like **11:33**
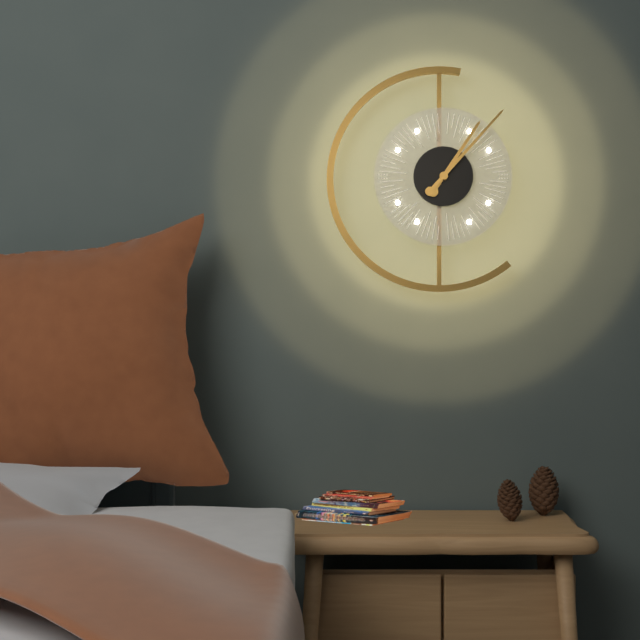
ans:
**1:07**
